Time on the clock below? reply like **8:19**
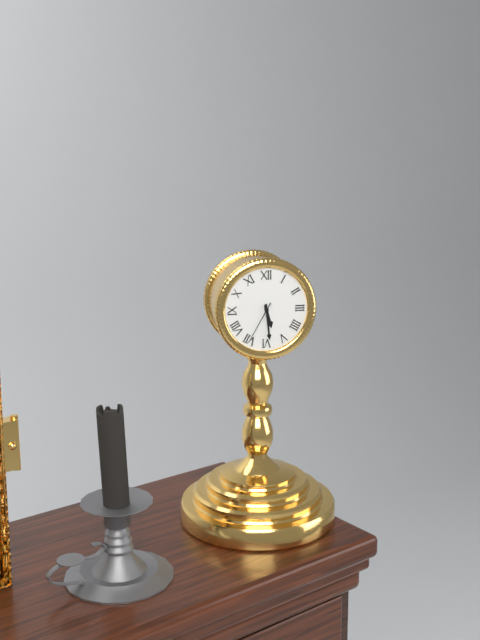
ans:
**5:29**
